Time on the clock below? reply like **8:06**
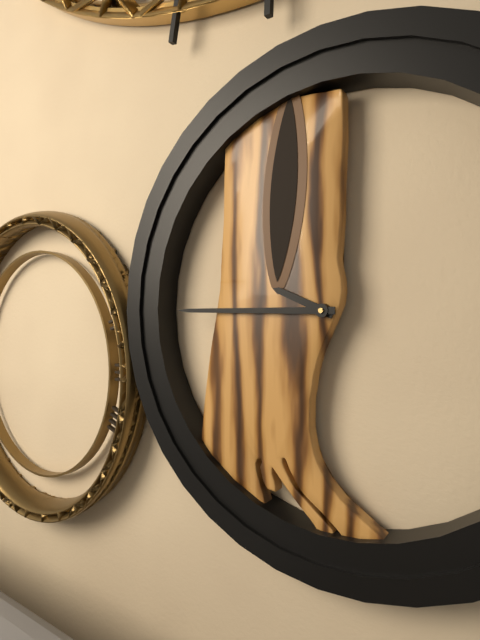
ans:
**9:45**
